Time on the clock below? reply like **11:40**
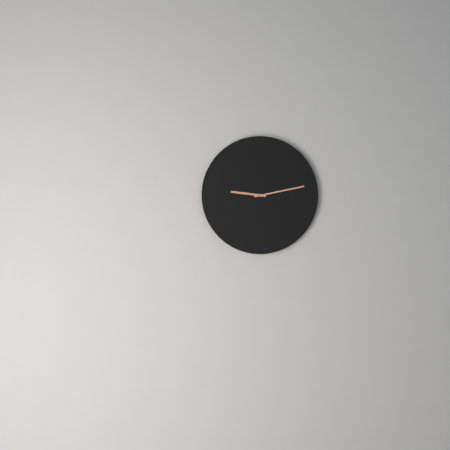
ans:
**9:13**
